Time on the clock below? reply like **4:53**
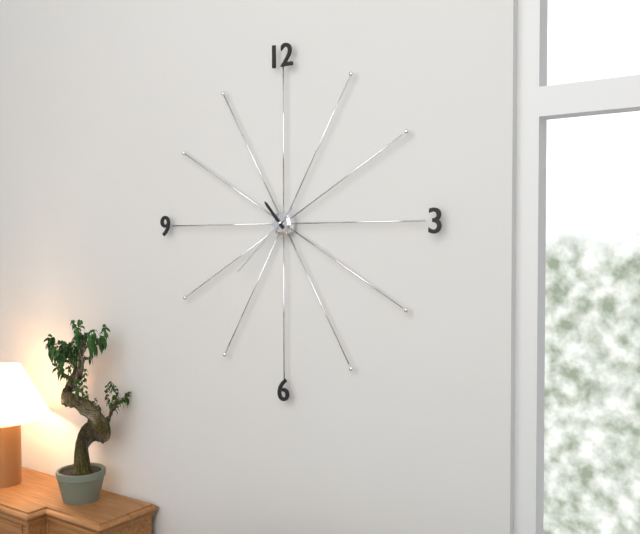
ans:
**10:38**
